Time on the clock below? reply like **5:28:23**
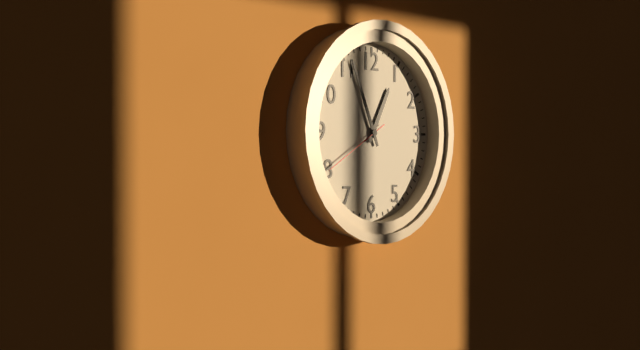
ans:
**12:56:40**
